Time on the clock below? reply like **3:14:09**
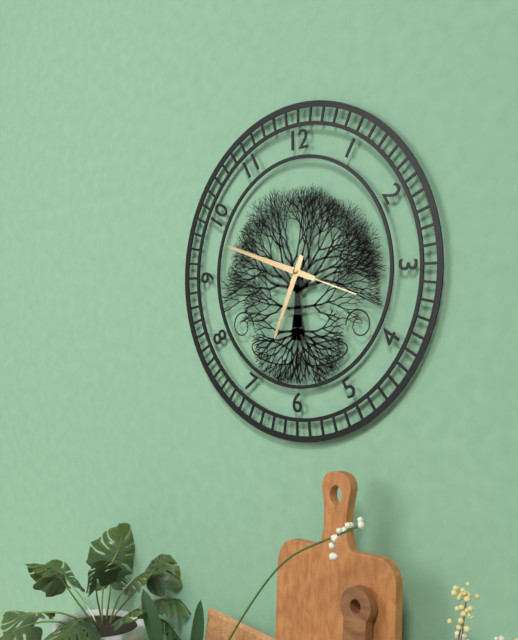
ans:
**6:48:18**
